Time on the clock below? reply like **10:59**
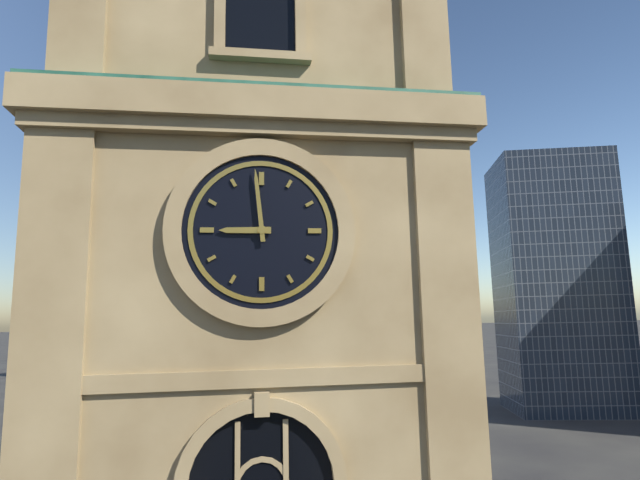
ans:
**8:59**
